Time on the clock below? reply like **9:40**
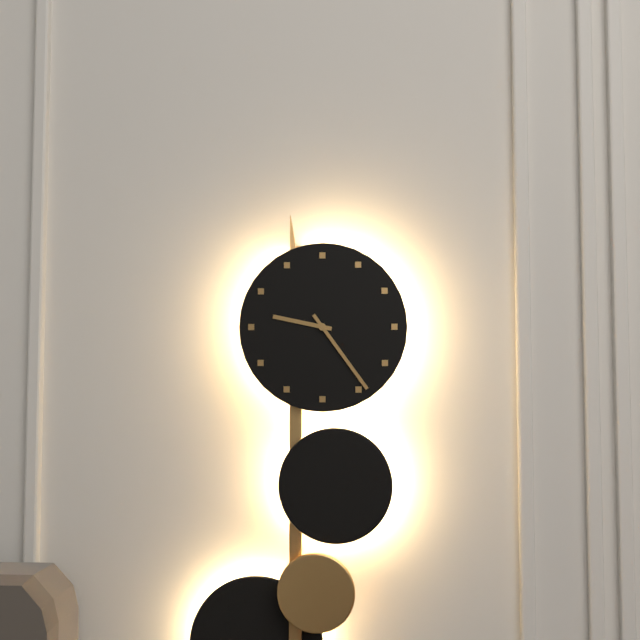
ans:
**9:24**
